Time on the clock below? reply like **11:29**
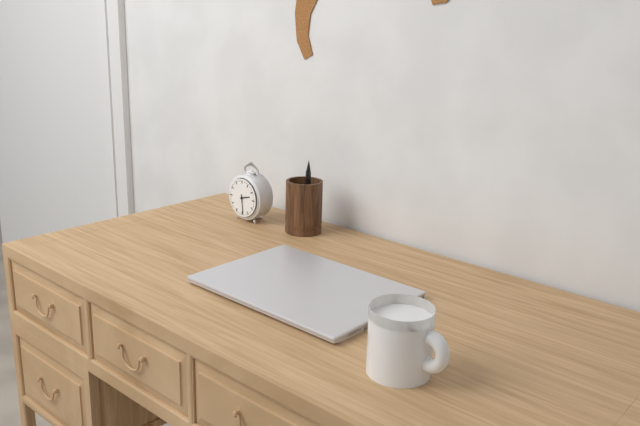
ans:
**2:29**
